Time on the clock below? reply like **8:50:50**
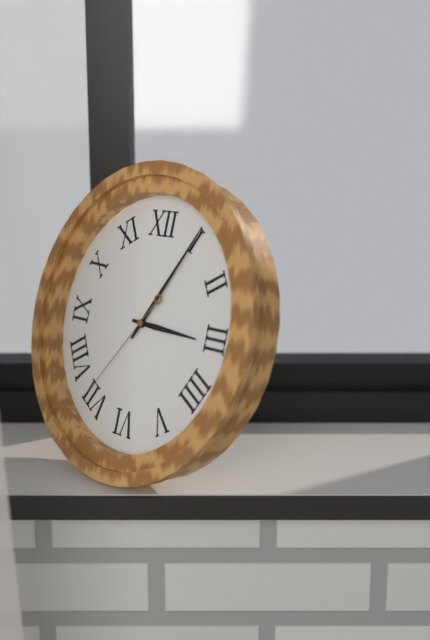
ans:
**3:05:36**
